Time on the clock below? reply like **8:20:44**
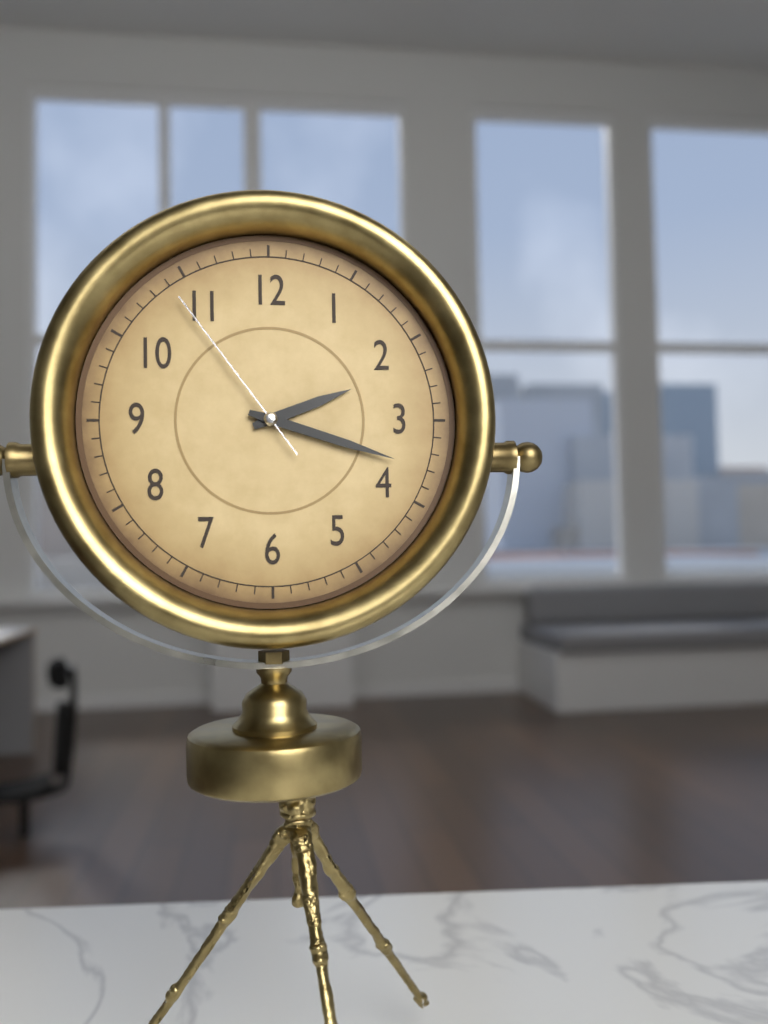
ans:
**2:18:54**
